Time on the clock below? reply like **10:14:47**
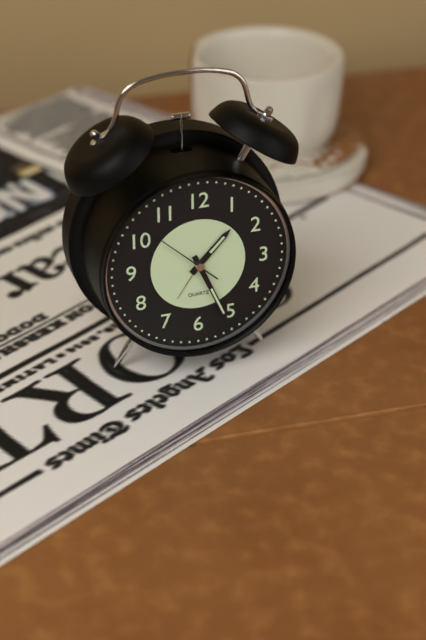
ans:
**1:26:52**
